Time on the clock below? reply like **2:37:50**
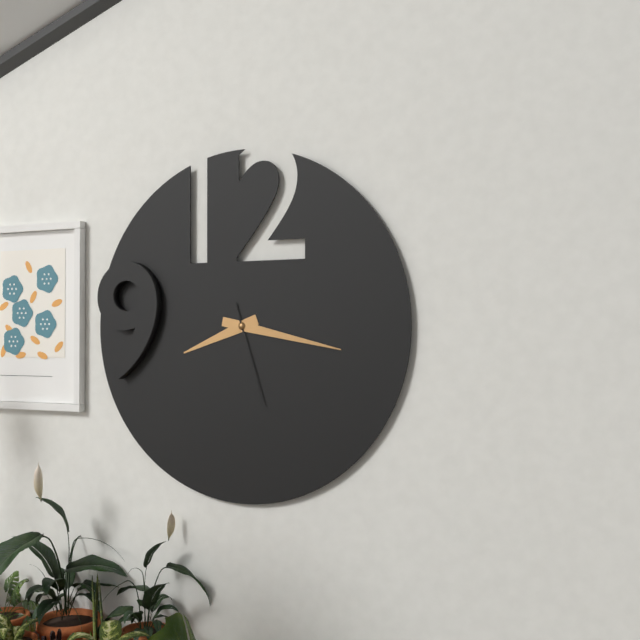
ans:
**8:17:27**
